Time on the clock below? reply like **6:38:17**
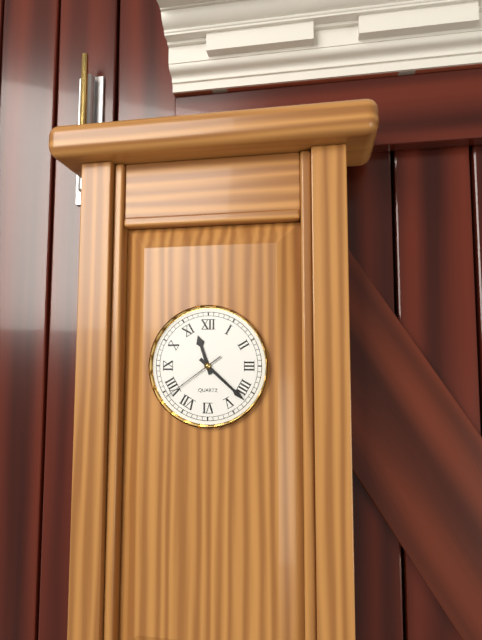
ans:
**11:22:39**
